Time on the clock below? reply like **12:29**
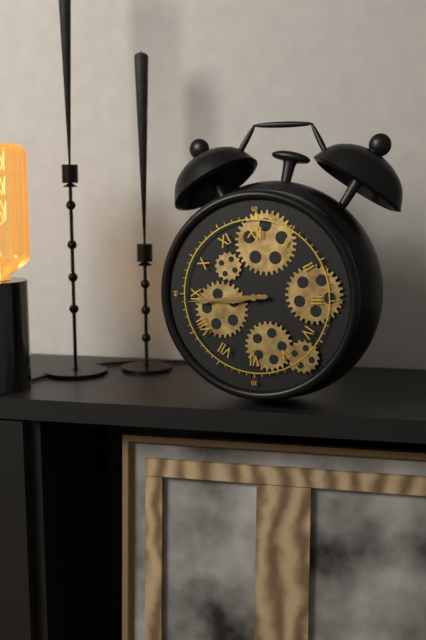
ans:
**8:44**
